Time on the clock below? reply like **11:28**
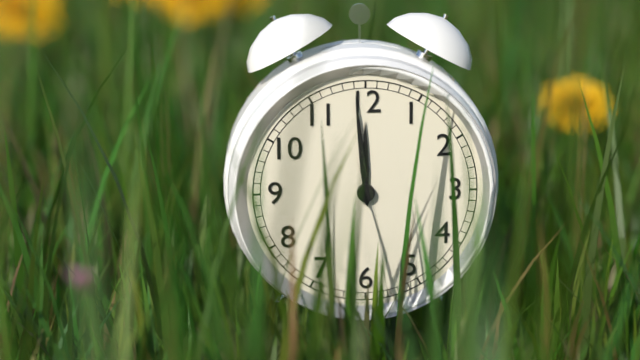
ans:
**11:59**
